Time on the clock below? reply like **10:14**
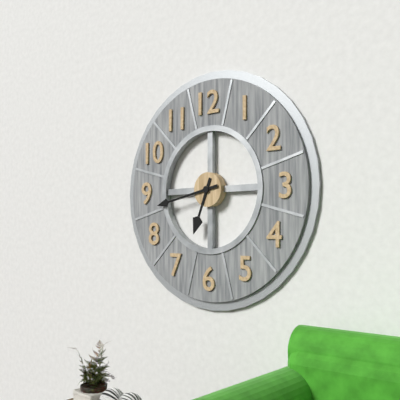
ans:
**6:43**
